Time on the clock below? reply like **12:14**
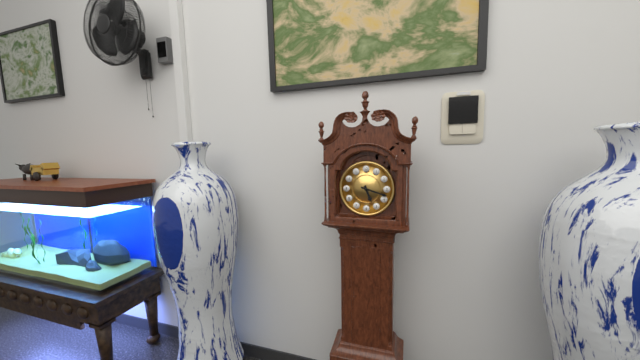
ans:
**5:18**
